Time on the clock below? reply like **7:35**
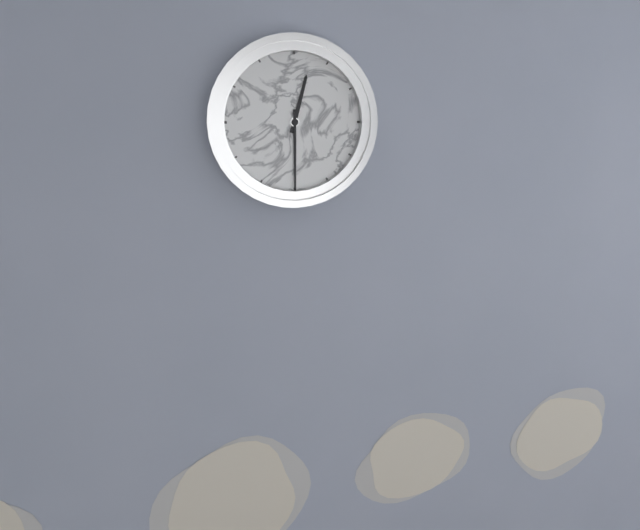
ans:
**12:30**
